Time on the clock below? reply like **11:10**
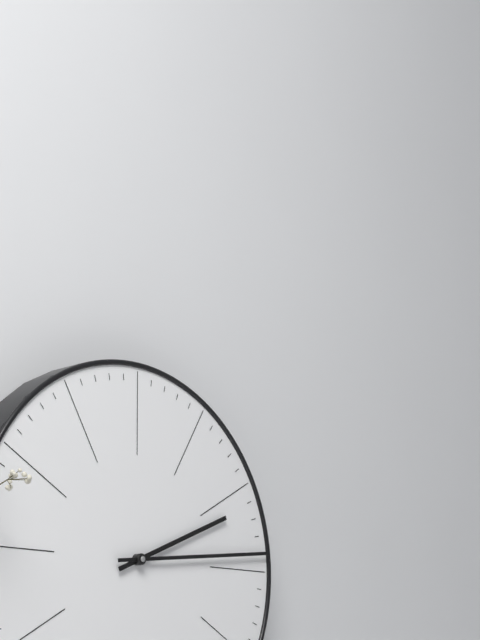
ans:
**2:14**
